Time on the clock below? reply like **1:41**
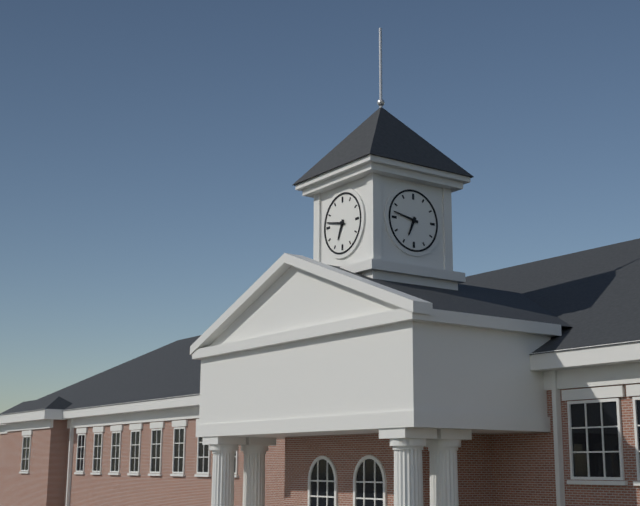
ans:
**6:47**
